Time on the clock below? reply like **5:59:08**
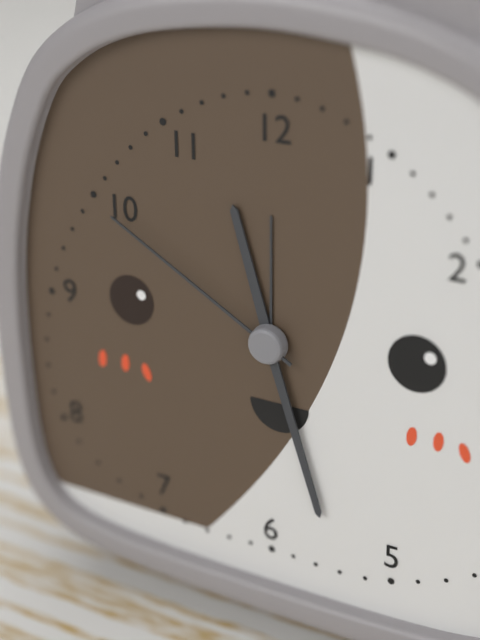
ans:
**11:27:50**
